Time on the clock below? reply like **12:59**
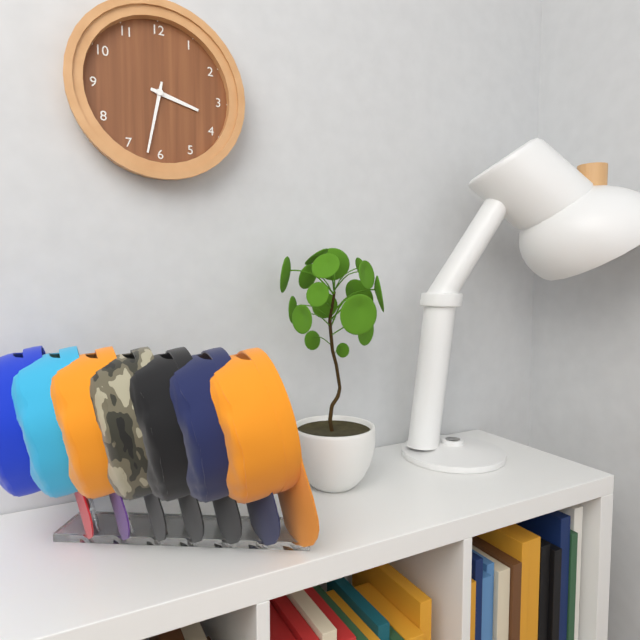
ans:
**3:32**
